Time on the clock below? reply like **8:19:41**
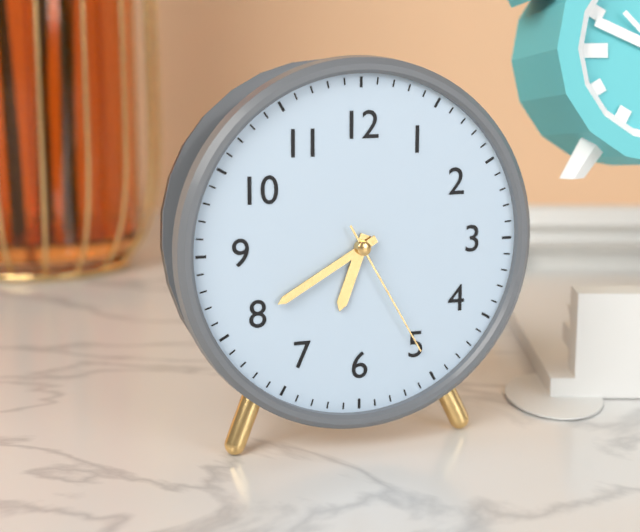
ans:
**6:40:25**
